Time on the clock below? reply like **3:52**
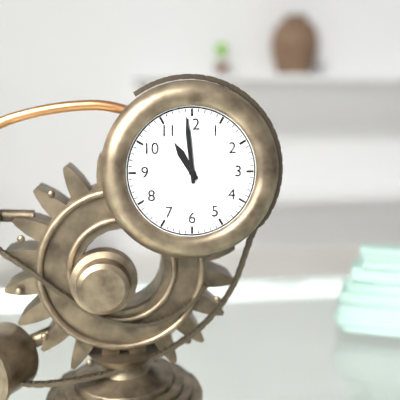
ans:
**10:59**
